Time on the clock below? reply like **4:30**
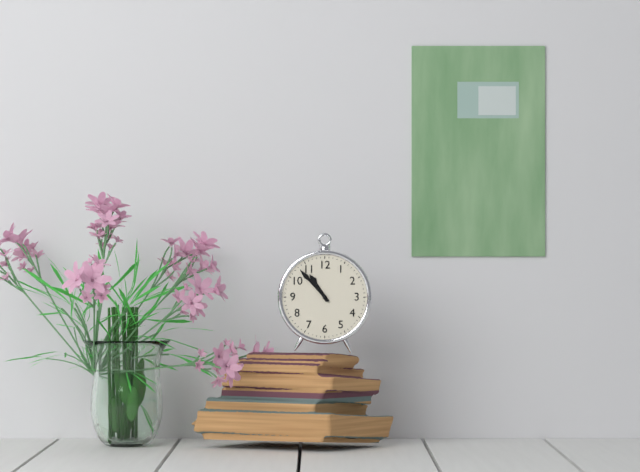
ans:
**10:53**
